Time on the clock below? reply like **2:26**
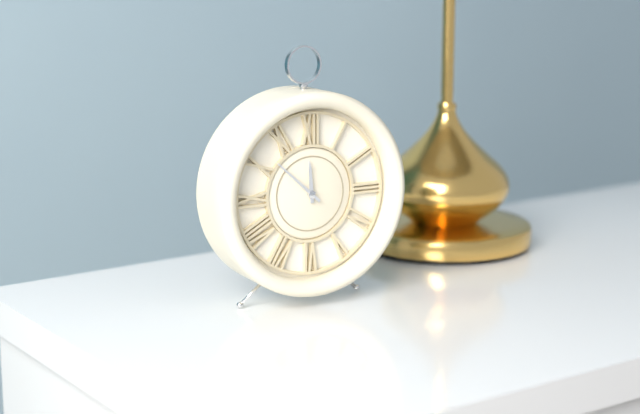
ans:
**11:52**
